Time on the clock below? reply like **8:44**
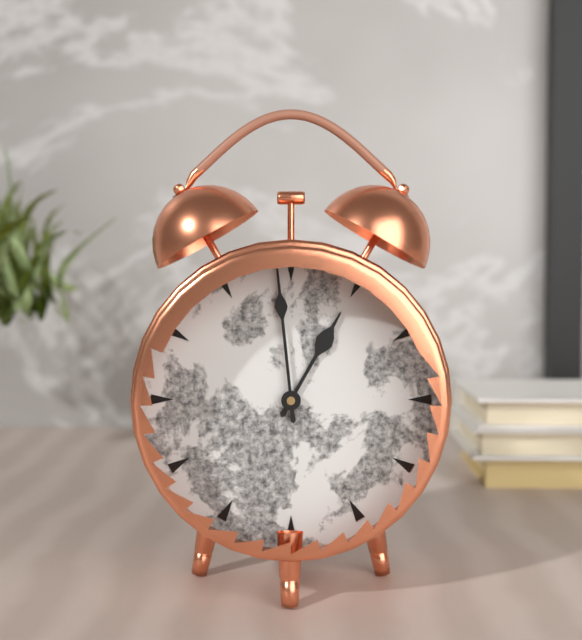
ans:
**12:59**
